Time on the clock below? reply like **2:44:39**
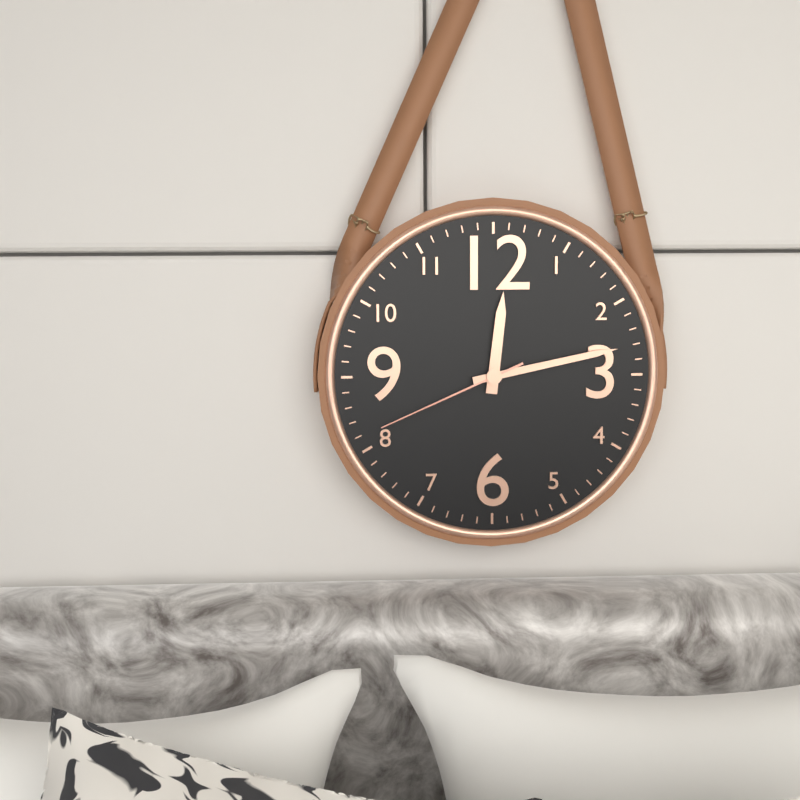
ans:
**12:13:41**
